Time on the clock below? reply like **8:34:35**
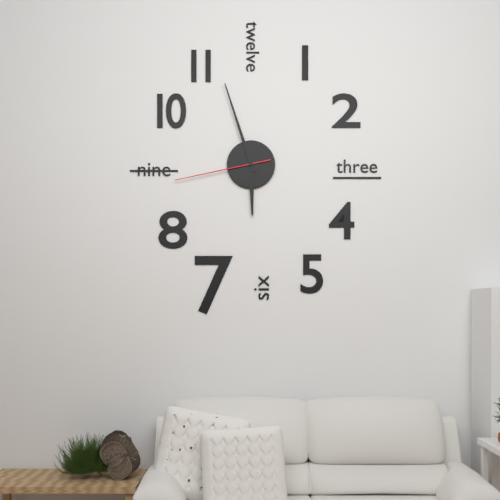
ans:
**5:57:43**
